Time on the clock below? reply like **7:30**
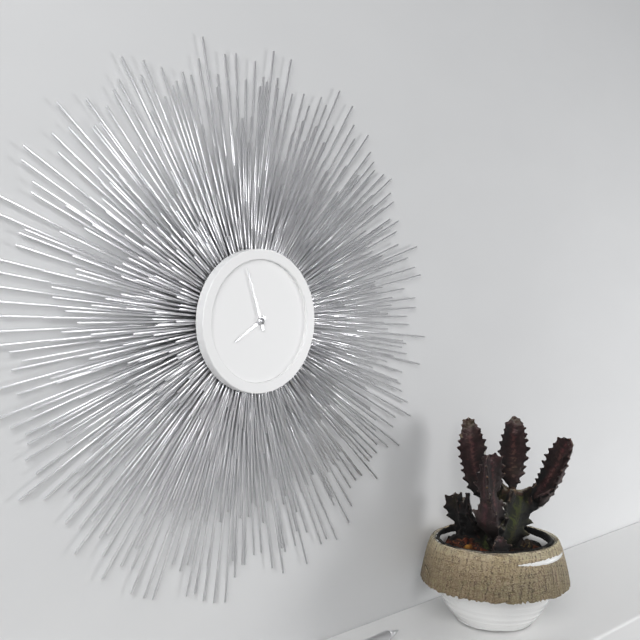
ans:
**7:57**
